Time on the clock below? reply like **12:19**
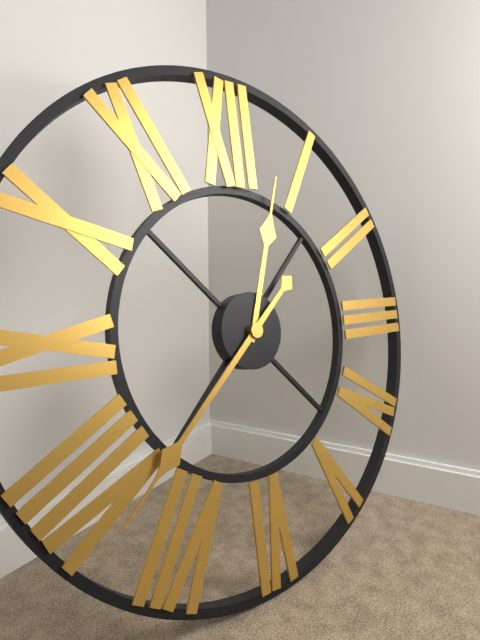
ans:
**12:38**
